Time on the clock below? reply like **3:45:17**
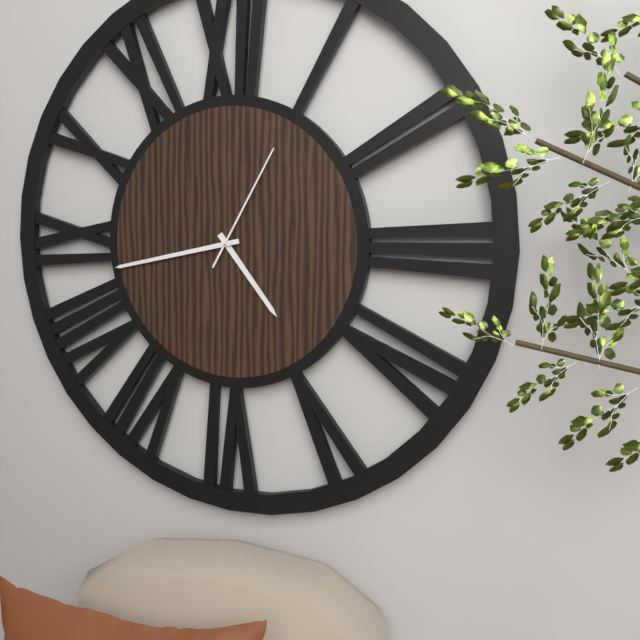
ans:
**4:43:05**
